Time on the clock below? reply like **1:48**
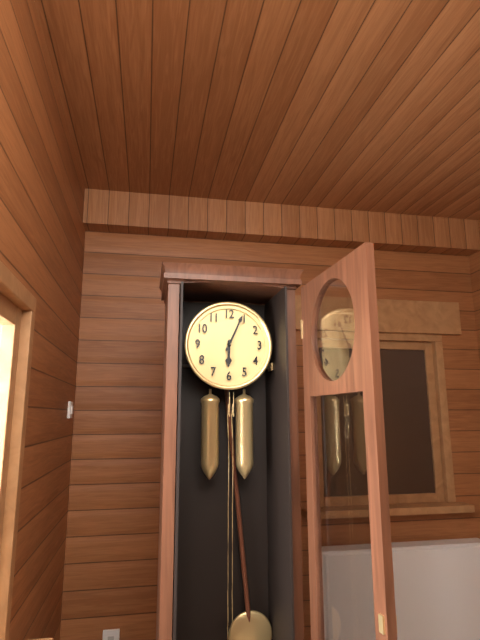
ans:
**6:04**
